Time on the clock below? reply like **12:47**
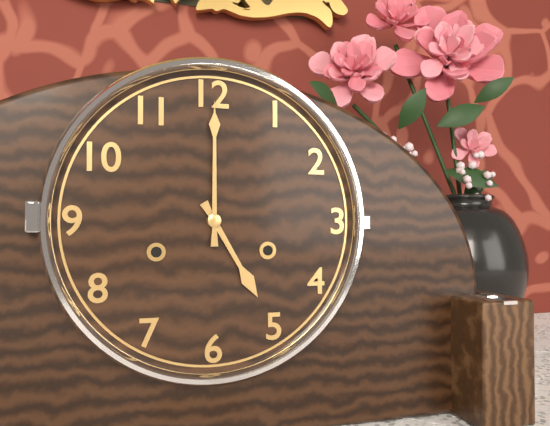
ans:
**5:00**
